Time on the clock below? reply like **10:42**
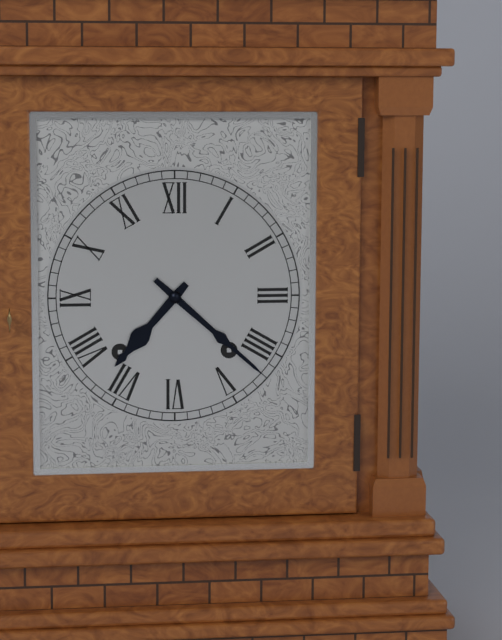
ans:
**7:22**
